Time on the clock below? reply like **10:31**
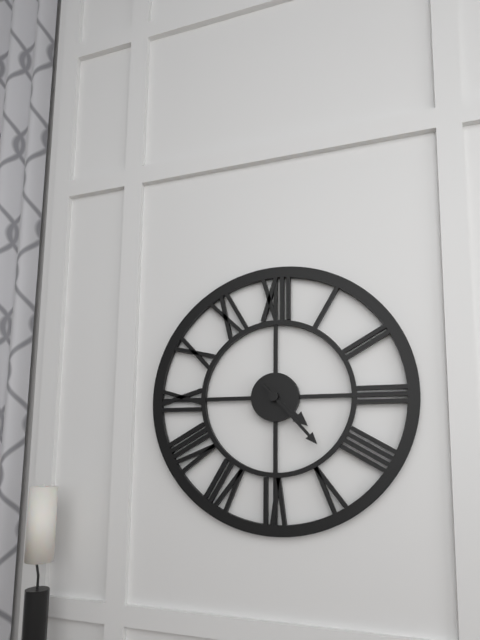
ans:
**4:23**
